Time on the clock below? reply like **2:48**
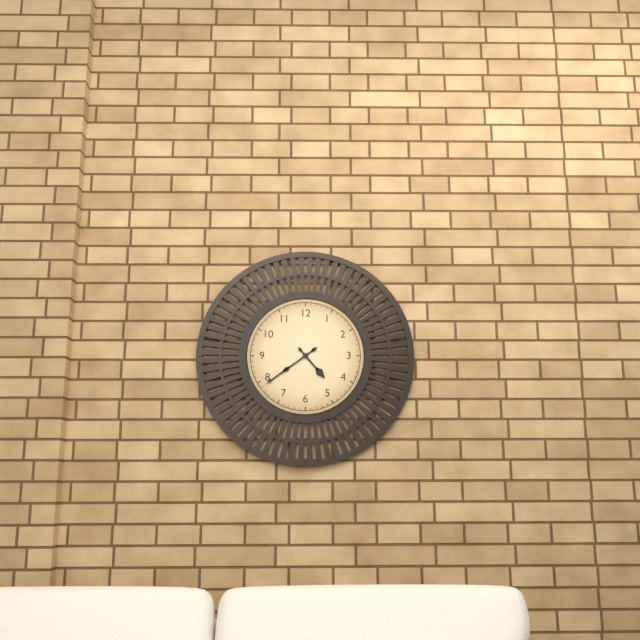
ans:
**4:39**
